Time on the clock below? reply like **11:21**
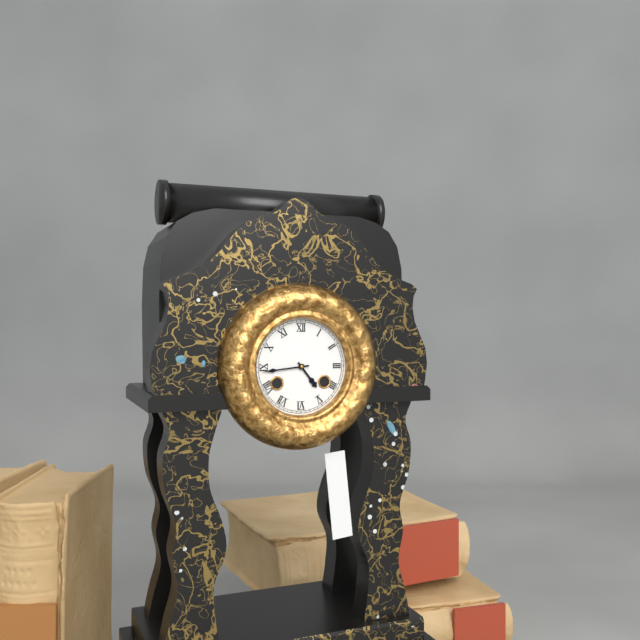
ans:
**4:44**
